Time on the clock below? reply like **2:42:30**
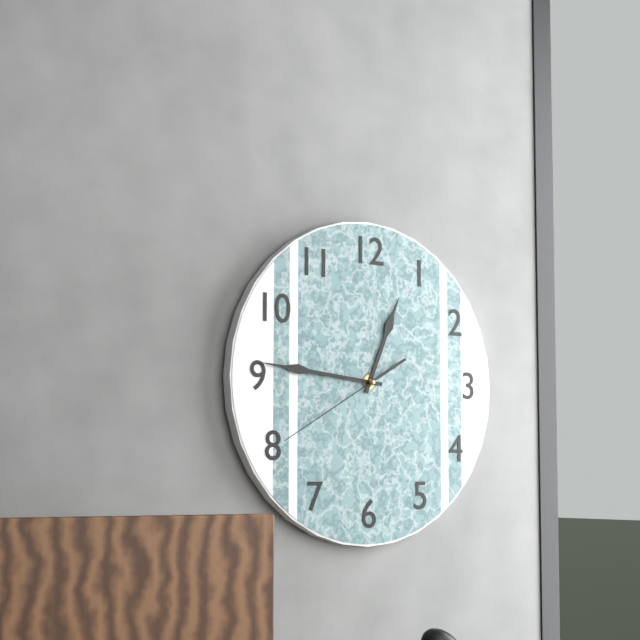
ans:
**12:46:40**
